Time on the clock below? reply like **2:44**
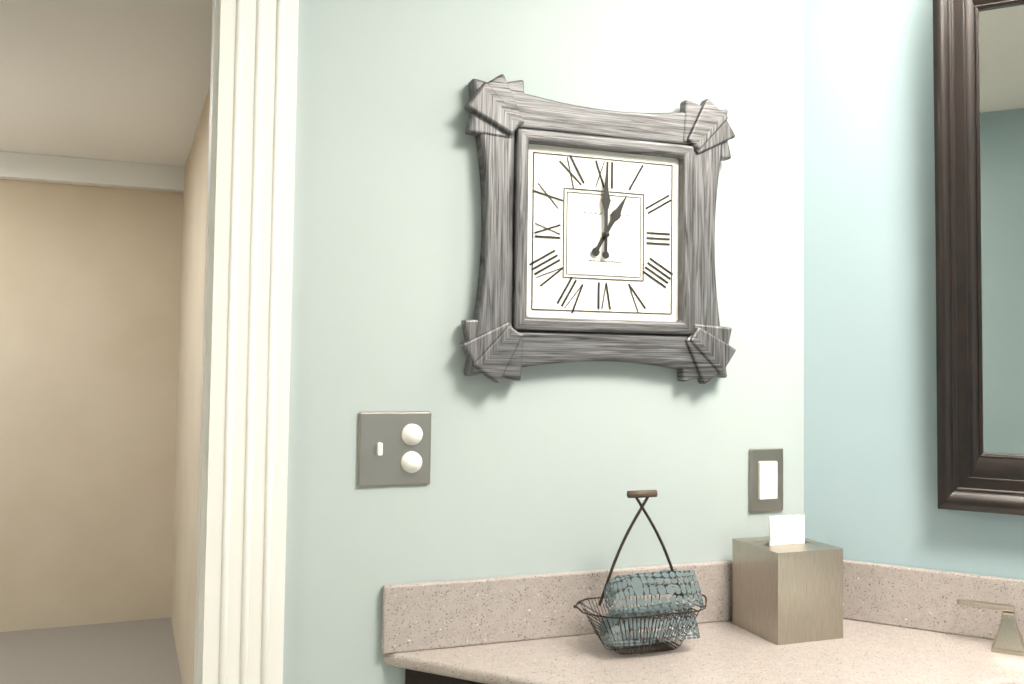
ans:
**1:00**
